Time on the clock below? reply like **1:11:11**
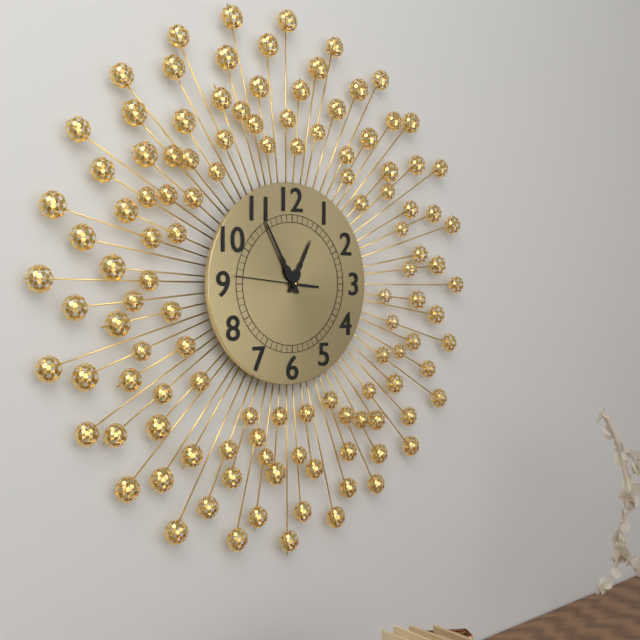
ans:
**12:55:46**
